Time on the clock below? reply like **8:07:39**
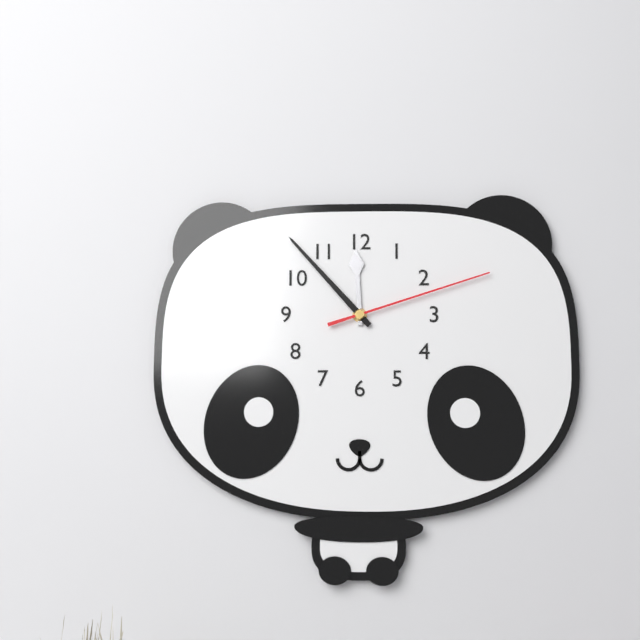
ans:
**11:53:12**
